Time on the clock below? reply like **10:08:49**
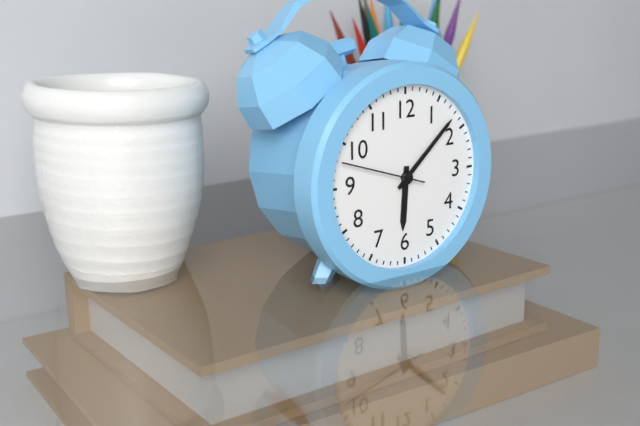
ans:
**6:08:48**
